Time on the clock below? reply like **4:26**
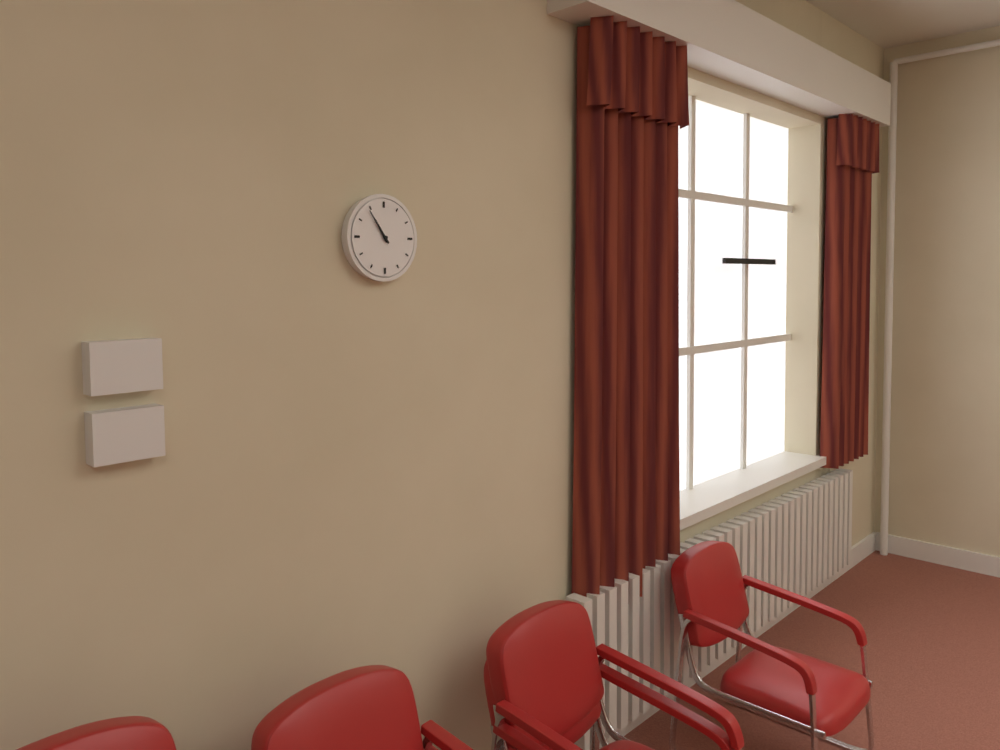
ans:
**10:54**
